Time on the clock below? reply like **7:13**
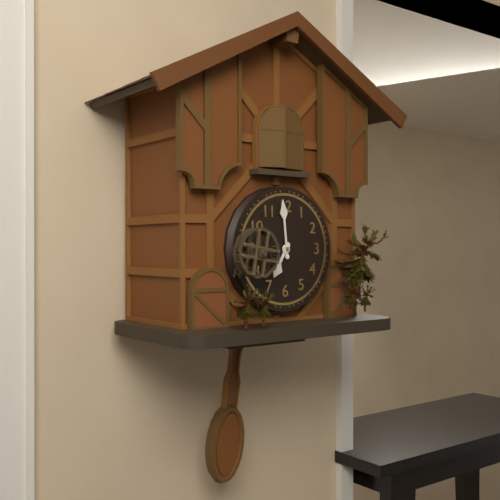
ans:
**6:59**
